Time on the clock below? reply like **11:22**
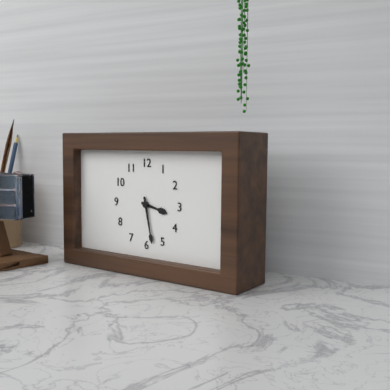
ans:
**3:28**
